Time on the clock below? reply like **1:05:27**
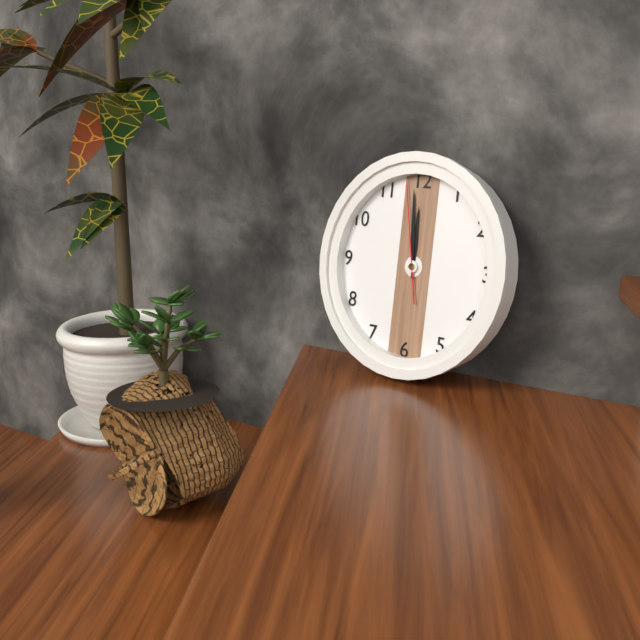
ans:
**11:59:58**
